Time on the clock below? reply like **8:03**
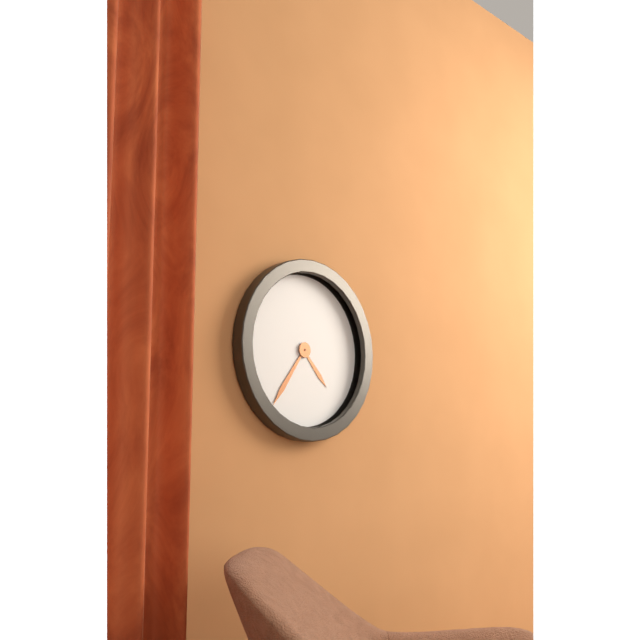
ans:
**4:36**
